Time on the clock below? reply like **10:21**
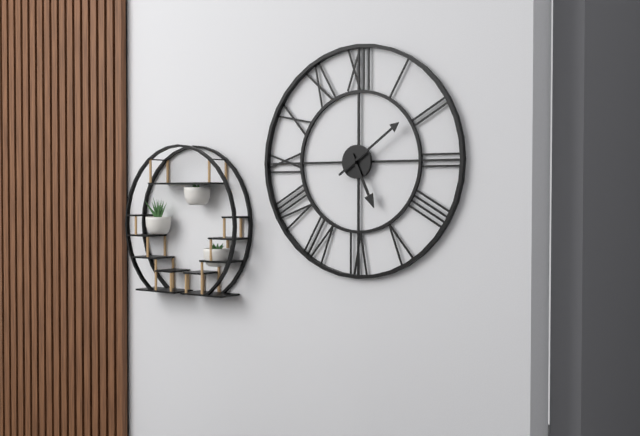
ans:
**5:09**
